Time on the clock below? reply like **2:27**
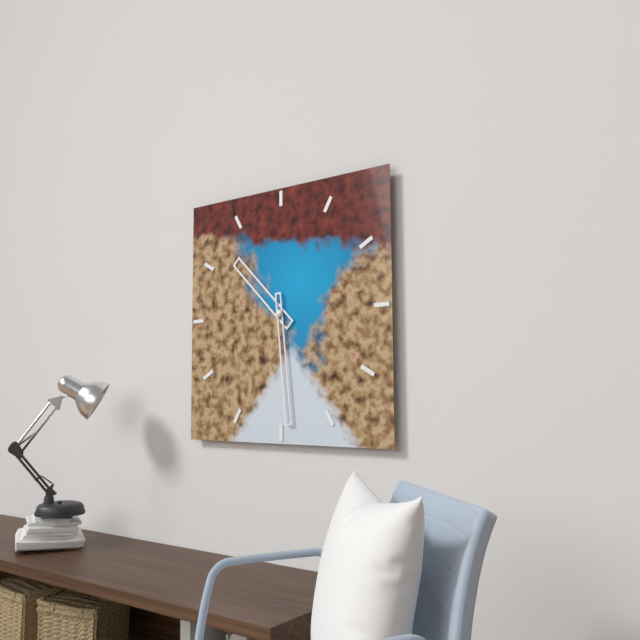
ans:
**10:29**
